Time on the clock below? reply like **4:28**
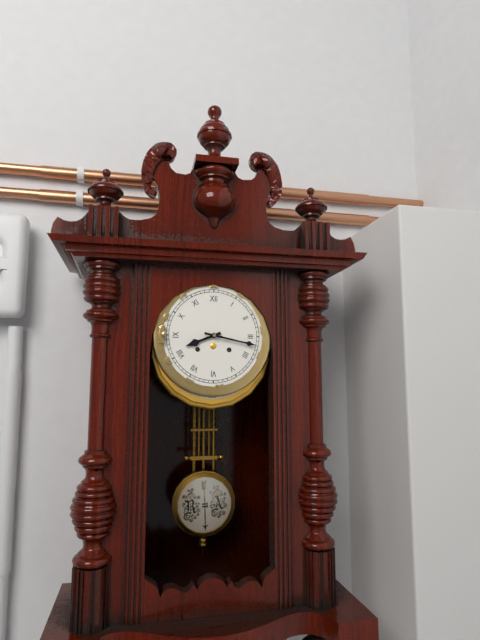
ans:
**8:17**
